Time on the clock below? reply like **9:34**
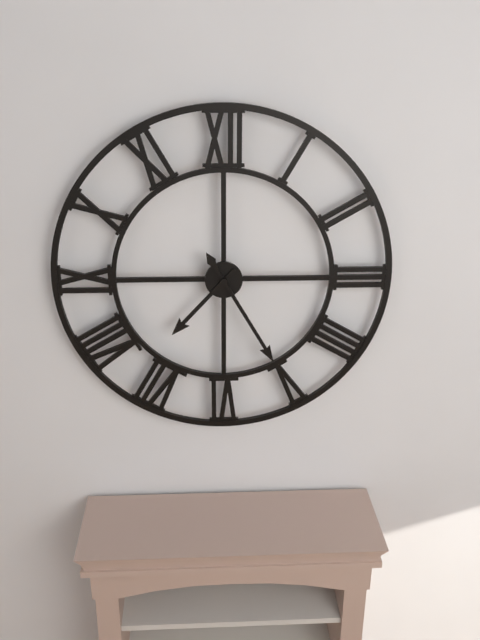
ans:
**7:25**
